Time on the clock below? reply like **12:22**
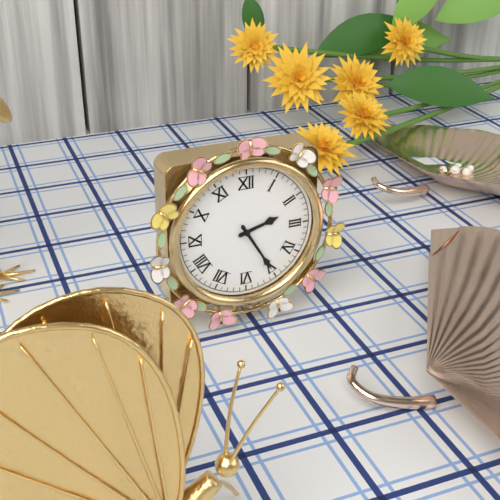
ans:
**2:25**
